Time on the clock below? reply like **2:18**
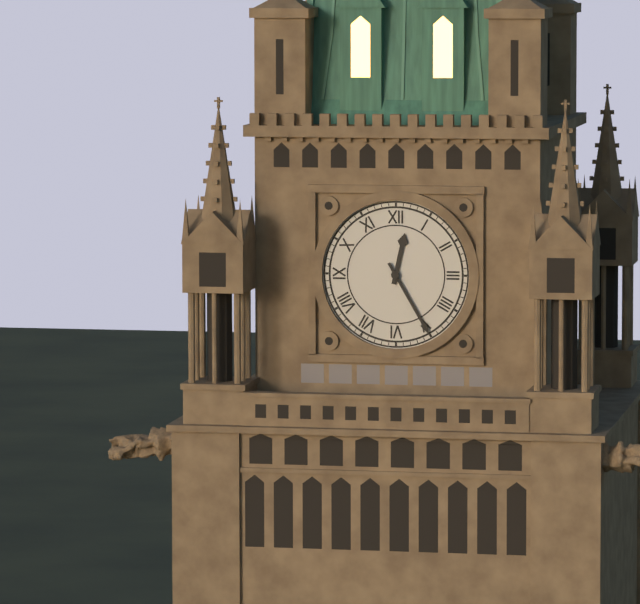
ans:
**12:25**
